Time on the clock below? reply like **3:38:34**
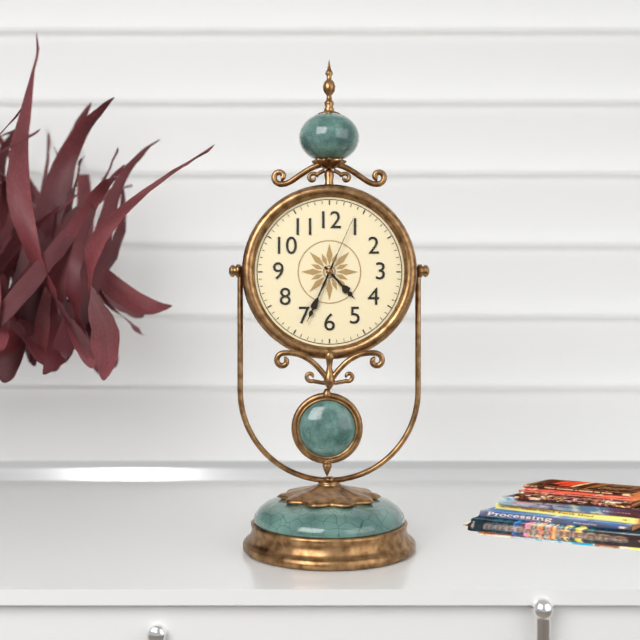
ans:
**4:34:04**
